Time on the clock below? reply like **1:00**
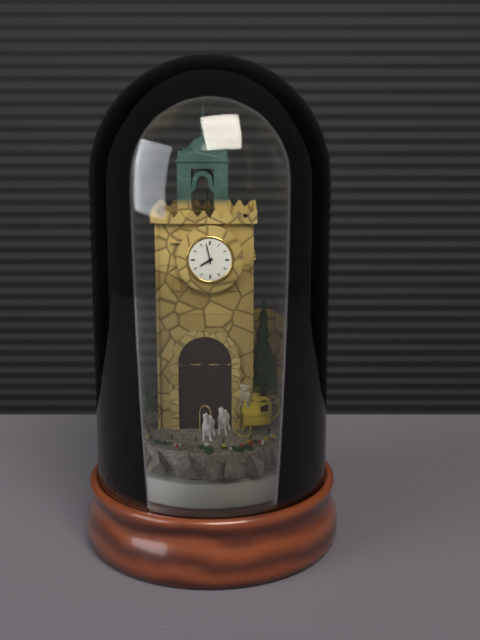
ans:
**7:58**
